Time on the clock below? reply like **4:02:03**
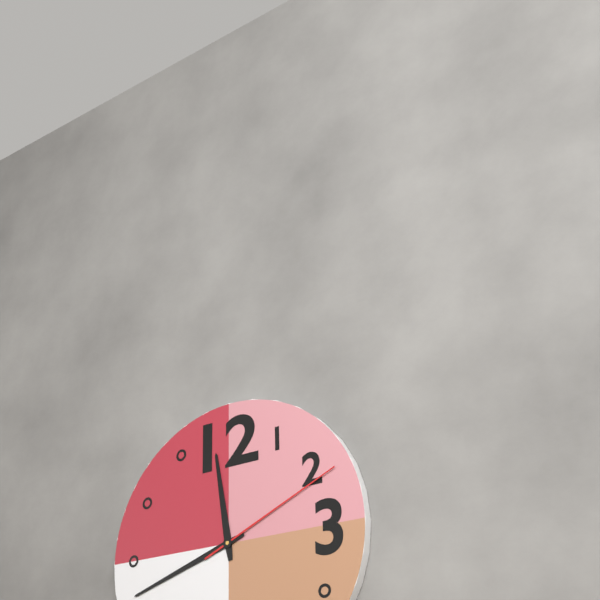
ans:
**11:42:11**
